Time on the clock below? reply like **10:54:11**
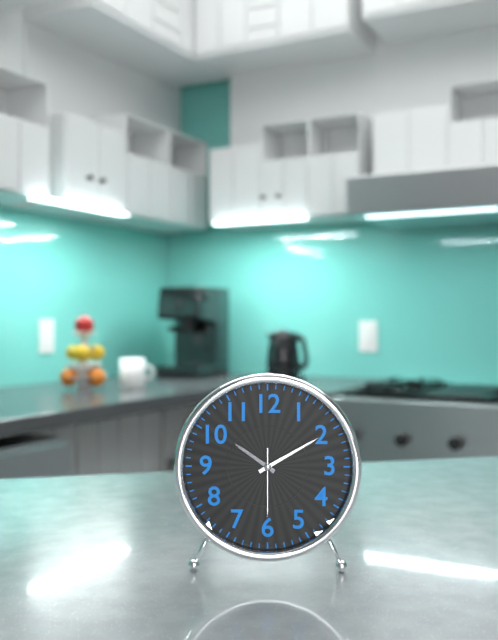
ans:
**10:10:30**
